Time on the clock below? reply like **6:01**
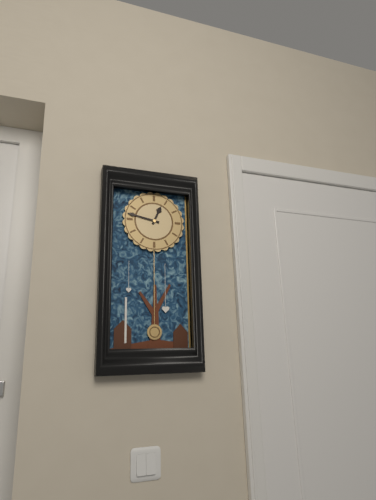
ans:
**12:47**
